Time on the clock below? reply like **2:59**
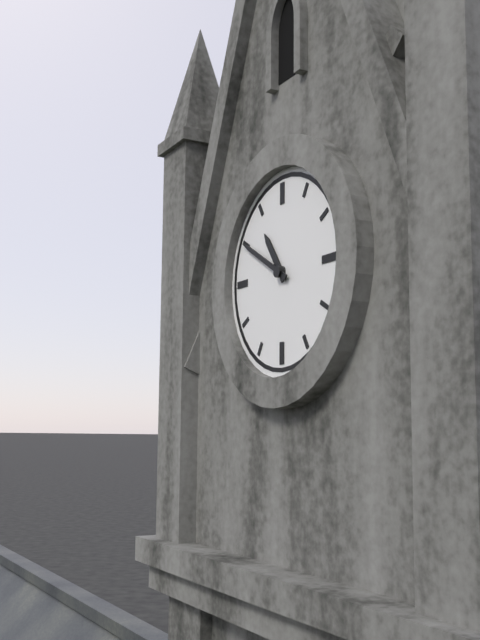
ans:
**10:50**
